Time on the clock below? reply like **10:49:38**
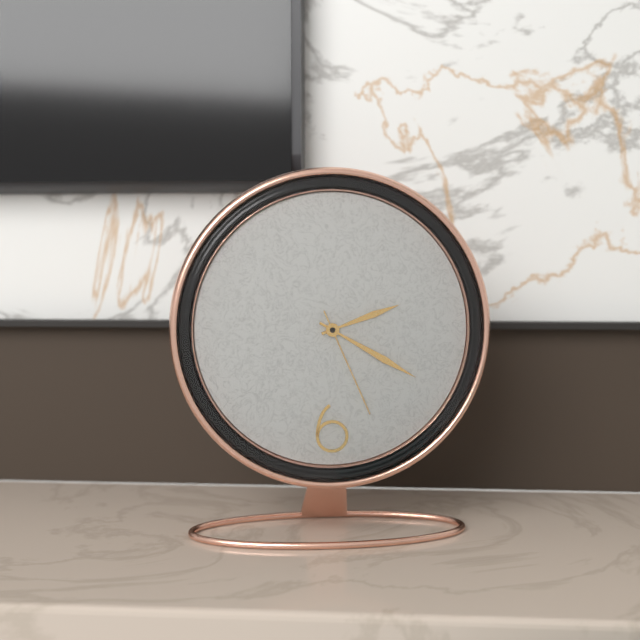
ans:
**2:20:26**
